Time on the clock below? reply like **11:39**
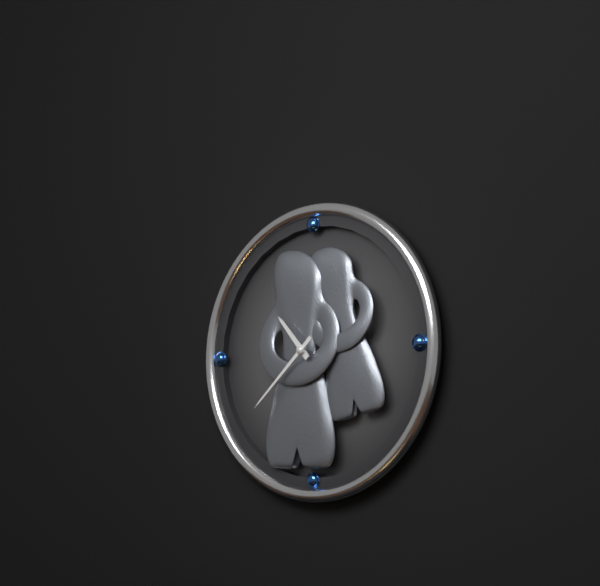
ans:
**10:38**
